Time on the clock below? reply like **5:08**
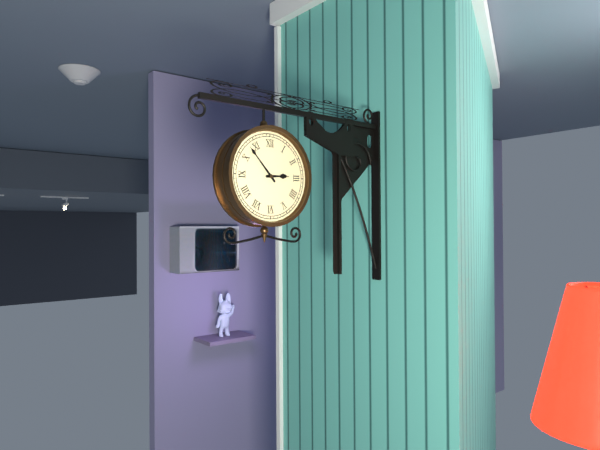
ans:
**2:53**
